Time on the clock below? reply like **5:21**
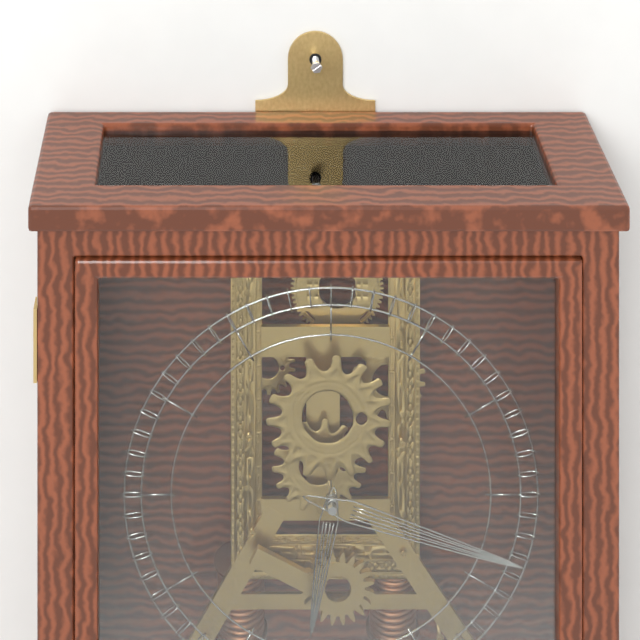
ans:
**6:18**
